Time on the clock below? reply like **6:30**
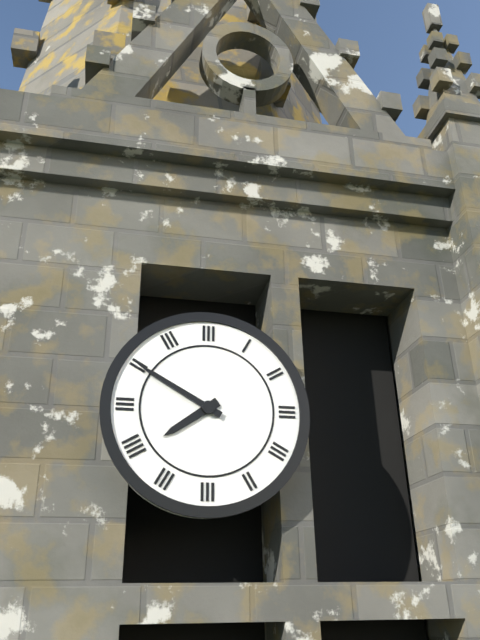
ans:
**7:50**
